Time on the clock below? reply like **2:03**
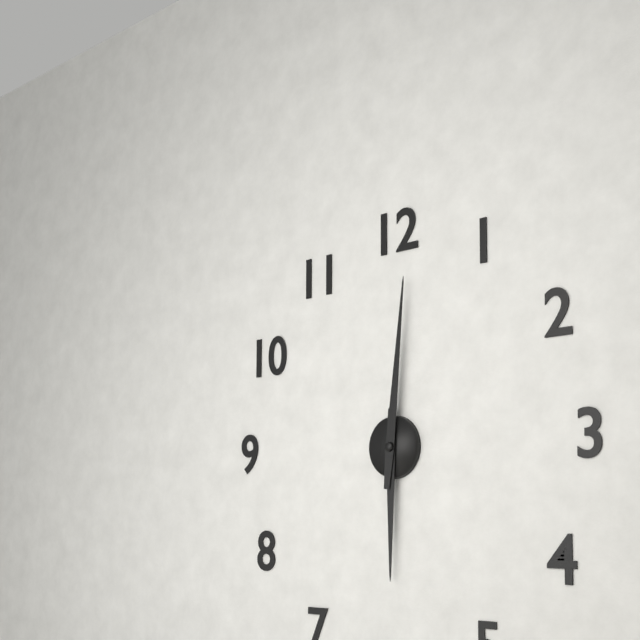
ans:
**6:01**
